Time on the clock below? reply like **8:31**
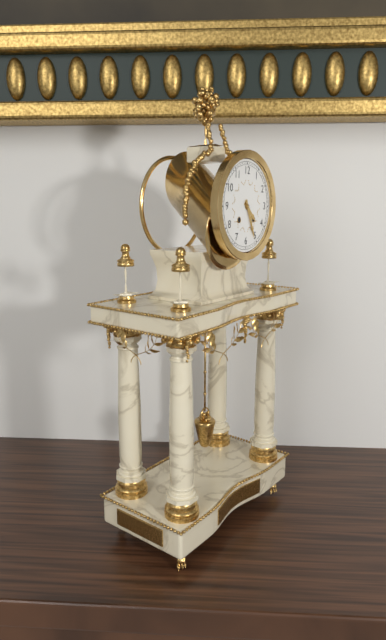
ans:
**4:26**
